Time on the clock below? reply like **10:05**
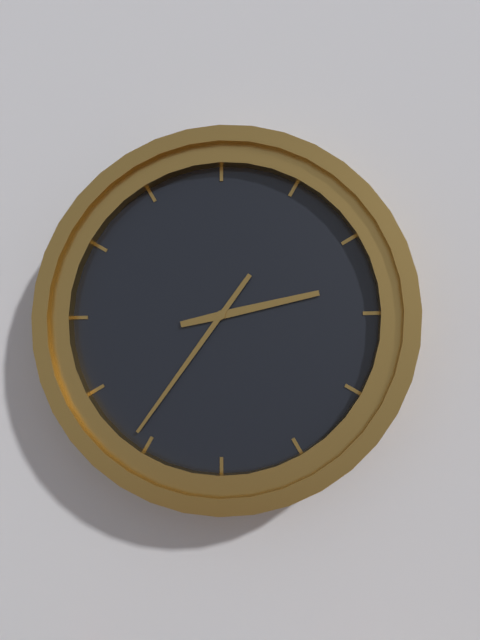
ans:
**2:36**
